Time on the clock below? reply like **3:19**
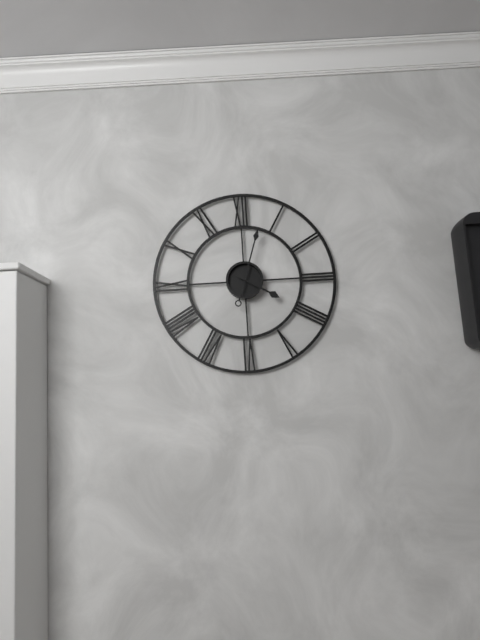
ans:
**4:03**
